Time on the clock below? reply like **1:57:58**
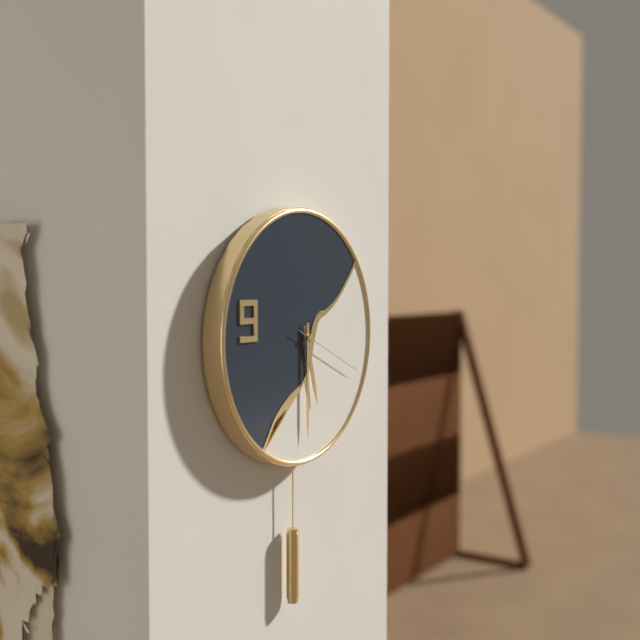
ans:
**5:30:19**
